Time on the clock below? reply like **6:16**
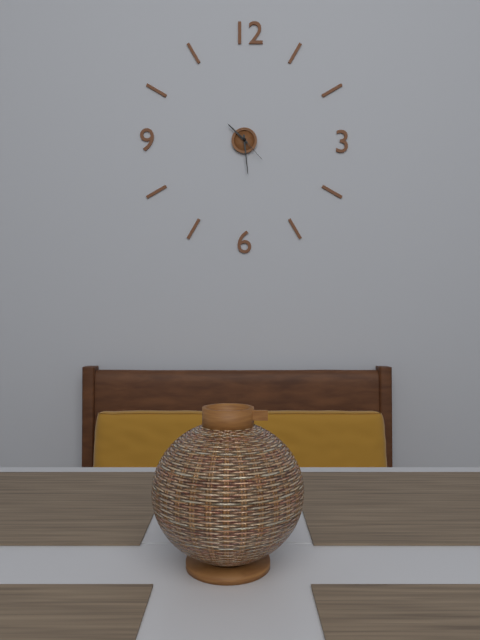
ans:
**10:29**
